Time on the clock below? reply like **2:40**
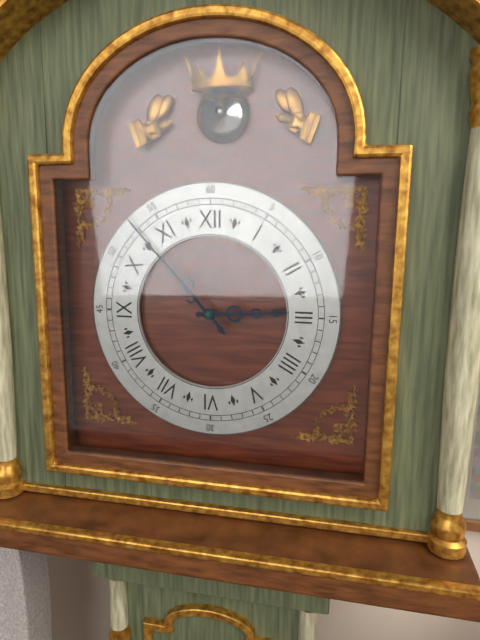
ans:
**2:53**
